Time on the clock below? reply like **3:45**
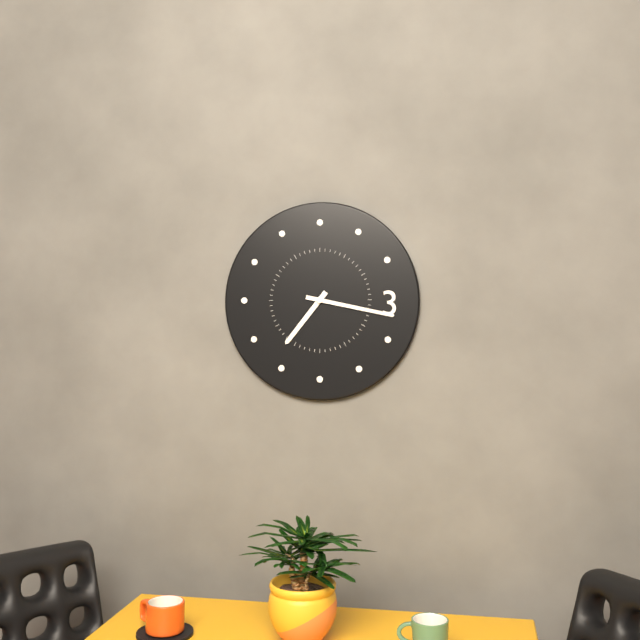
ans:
**7:17**
